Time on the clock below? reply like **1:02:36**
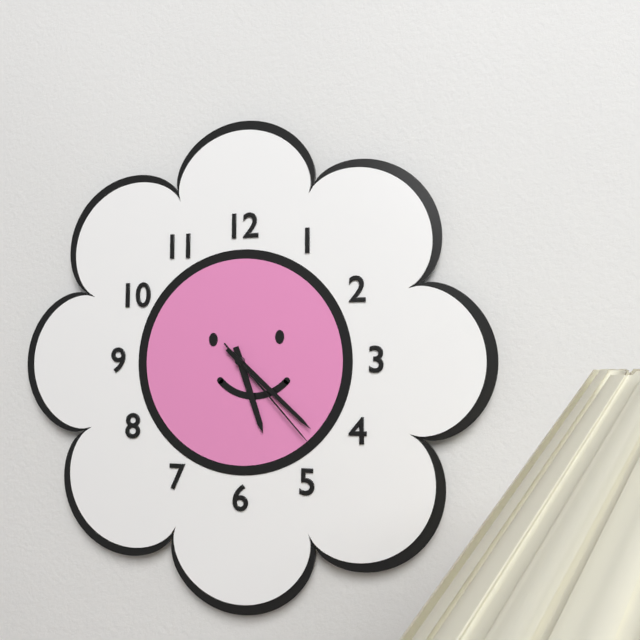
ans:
**5:22:23**
